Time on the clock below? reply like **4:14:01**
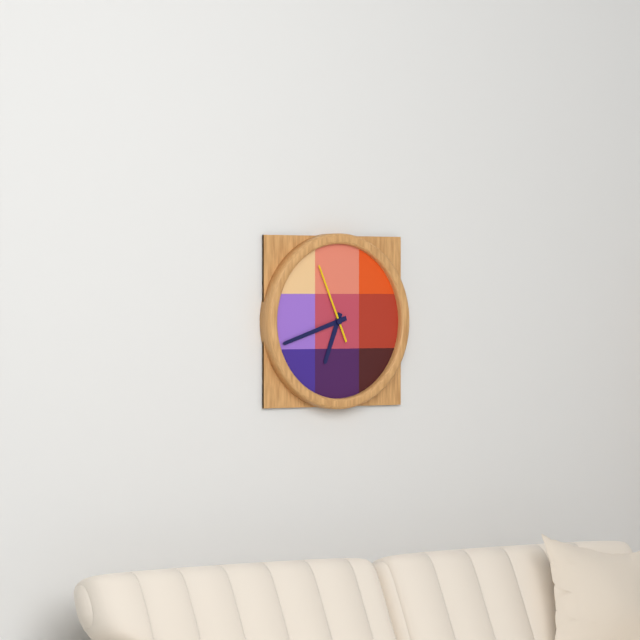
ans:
**6:42:56**
